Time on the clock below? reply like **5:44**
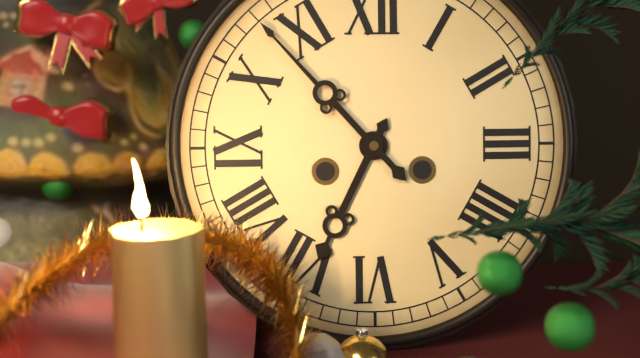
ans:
**6:53**
